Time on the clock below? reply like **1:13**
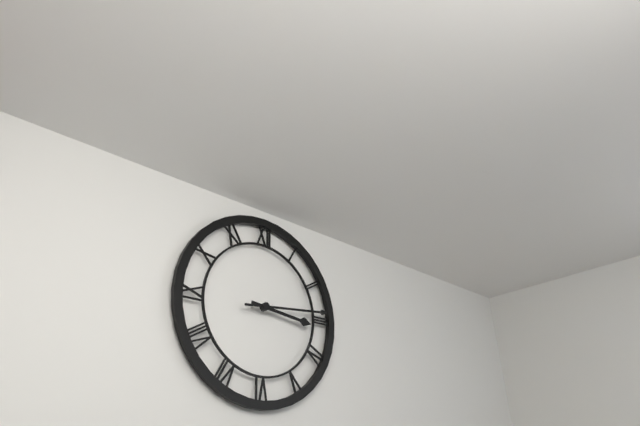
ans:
**3:14**
